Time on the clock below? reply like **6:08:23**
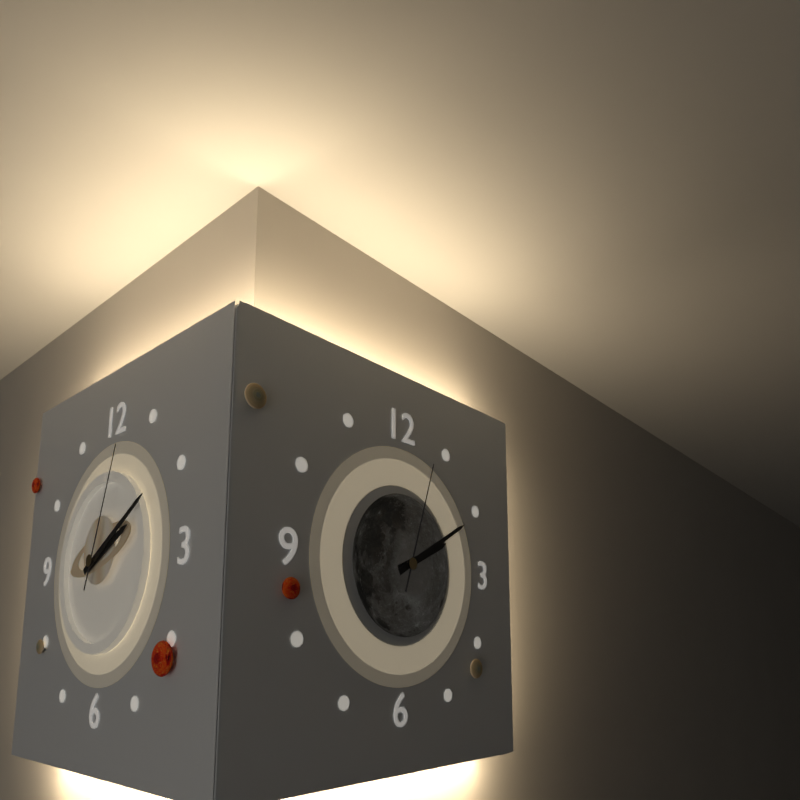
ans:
**2:10:03**
